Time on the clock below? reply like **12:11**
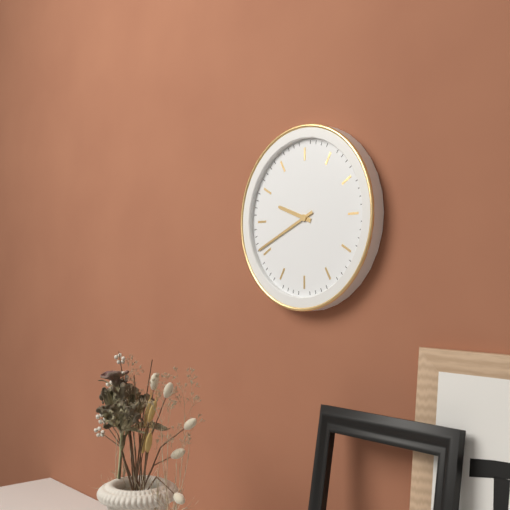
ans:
**9:41**
